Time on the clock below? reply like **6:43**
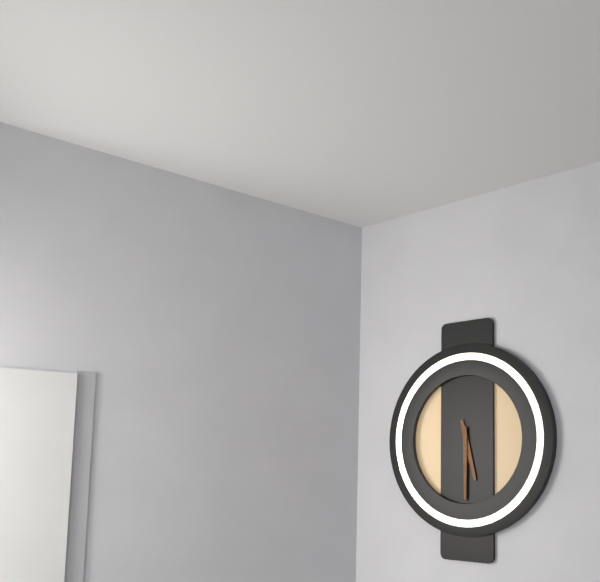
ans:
**5:30**
